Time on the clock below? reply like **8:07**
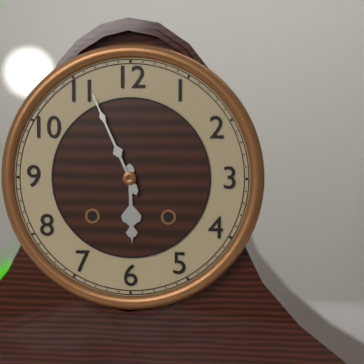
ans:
**5:56**
